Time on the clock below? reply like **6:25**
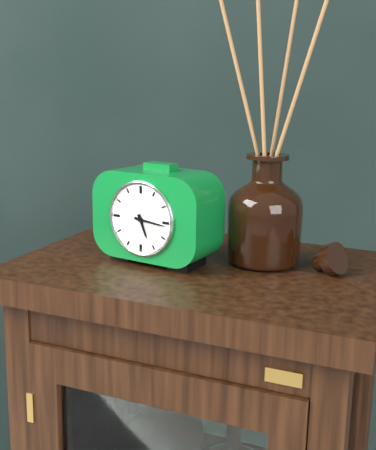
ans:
**5:16**
